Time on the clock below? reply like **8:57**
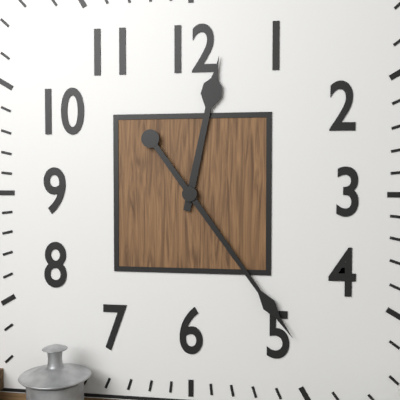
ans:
**12:24**
